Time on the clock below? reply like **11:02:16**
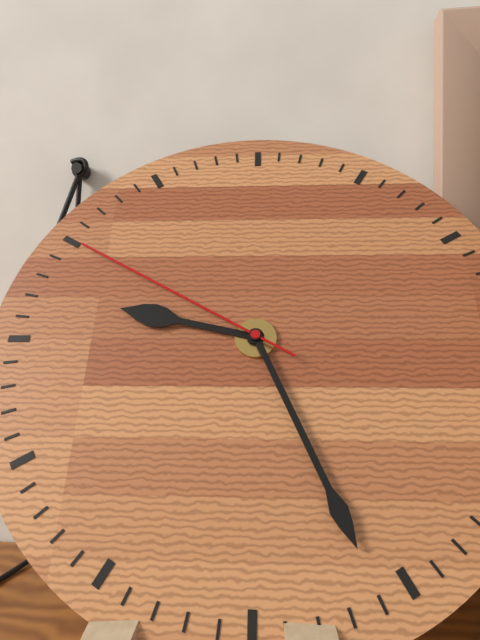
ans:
**9:26:50**
